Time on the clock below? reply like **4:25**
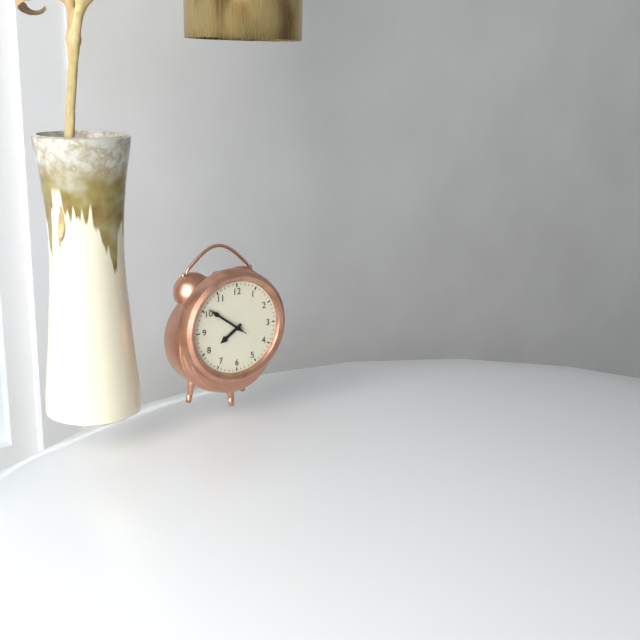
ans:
**7:51**
